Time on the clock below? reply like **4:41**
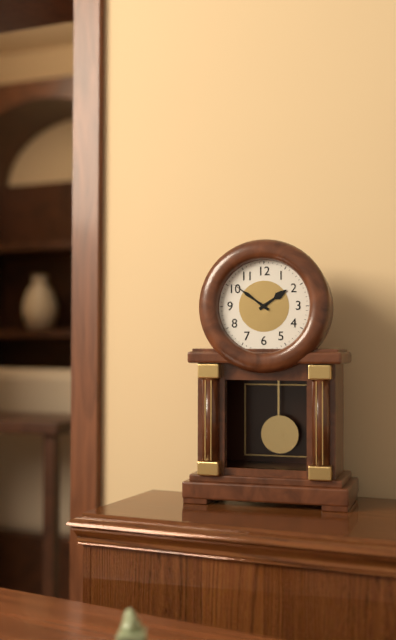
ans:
**1:51**
